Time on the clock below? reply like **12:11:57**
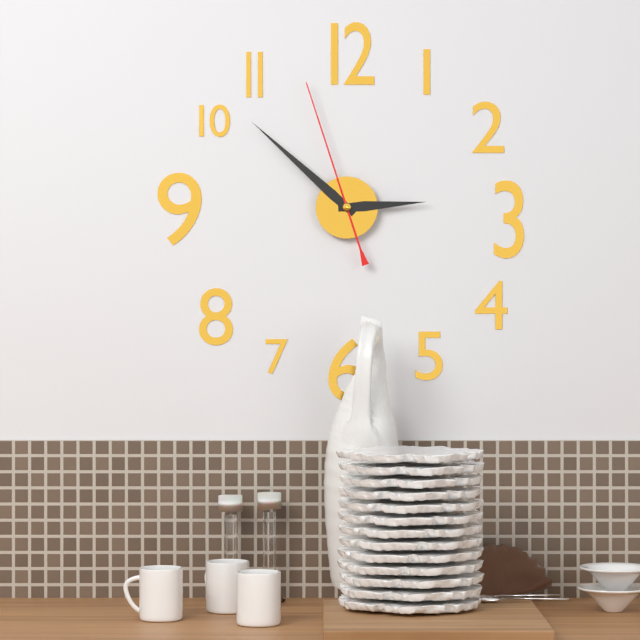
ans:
**2:52:57**
